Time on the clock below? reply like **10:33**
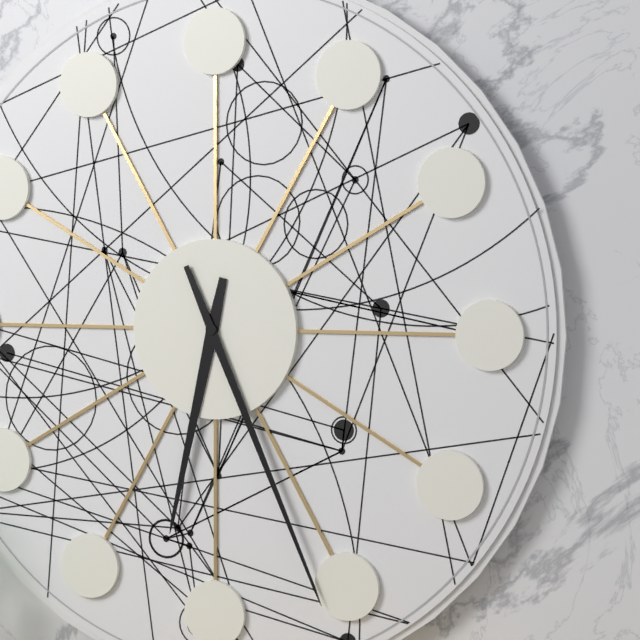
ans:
**6:26**
